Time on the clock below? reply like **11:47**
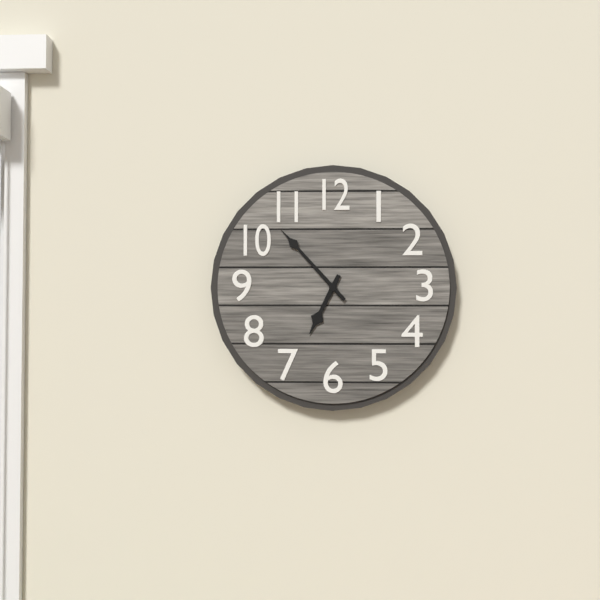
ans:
**6:53**
